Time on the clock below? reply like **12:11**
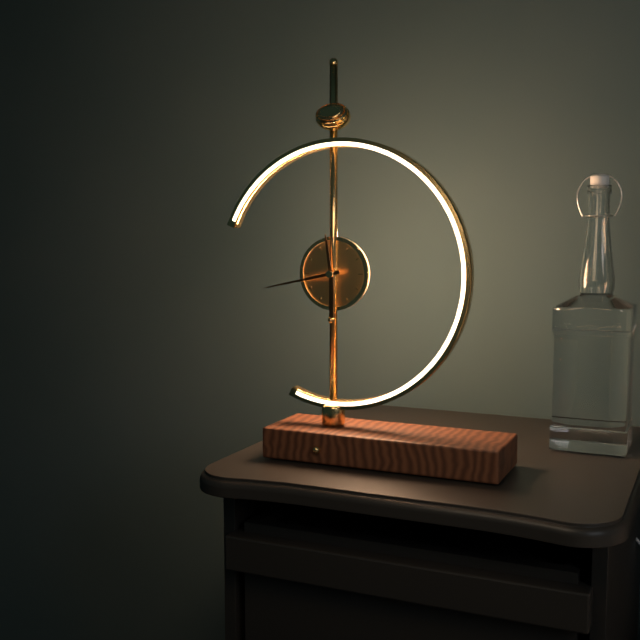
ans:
**11:43**
